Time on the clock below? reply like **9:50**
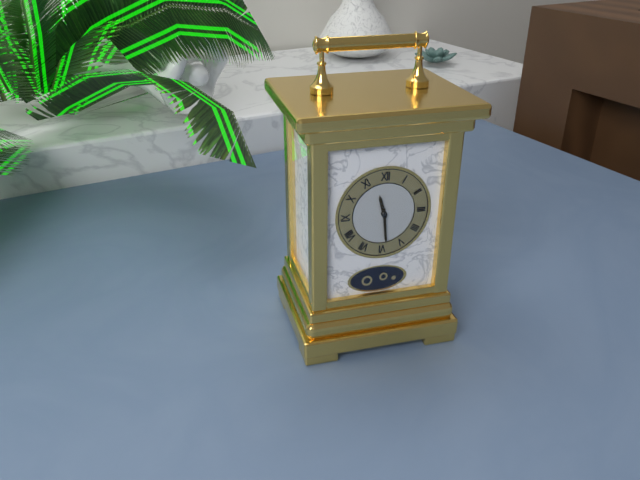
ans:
**11:29**
